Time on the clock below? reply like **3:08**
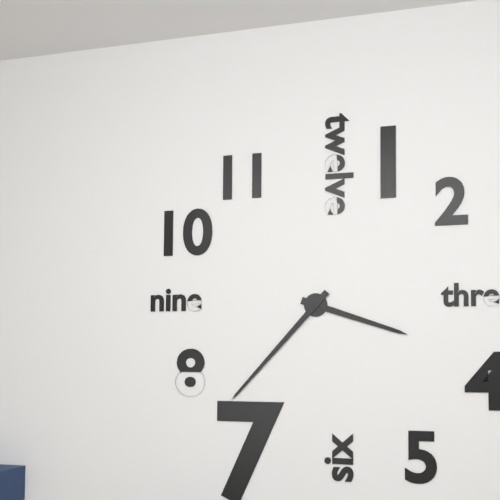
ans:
**3:37**
